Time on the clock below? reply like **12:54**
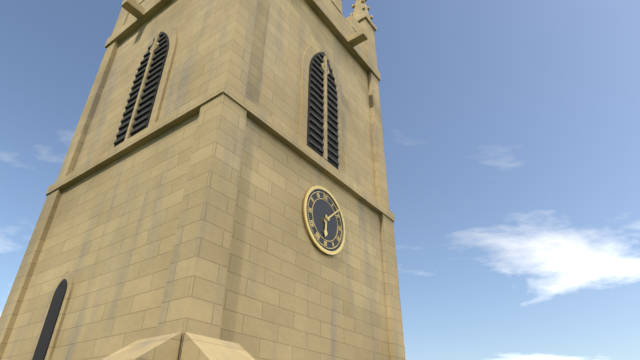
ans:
**6:08**
